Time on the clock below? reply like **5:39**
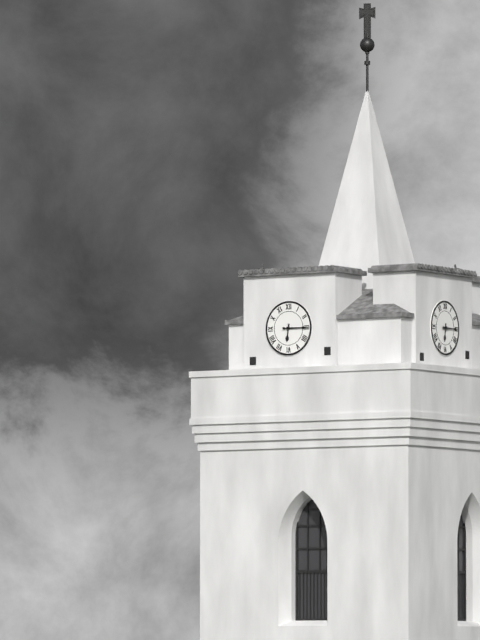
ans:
**6:15**
